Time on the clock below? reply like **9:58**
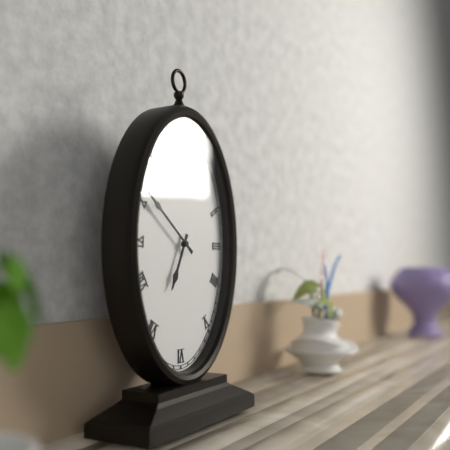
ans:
**6:51**
